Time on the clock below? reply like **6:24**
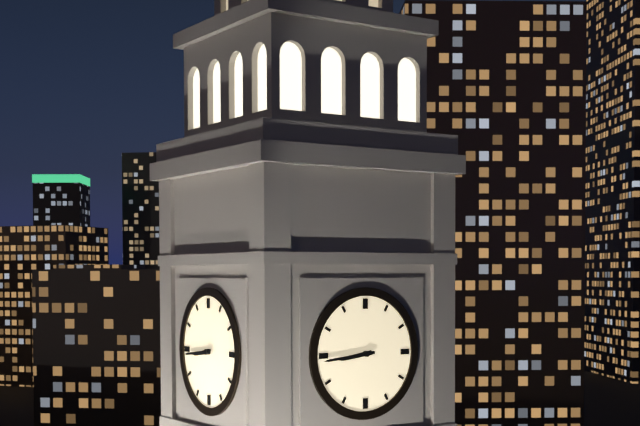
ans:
**8:44**
